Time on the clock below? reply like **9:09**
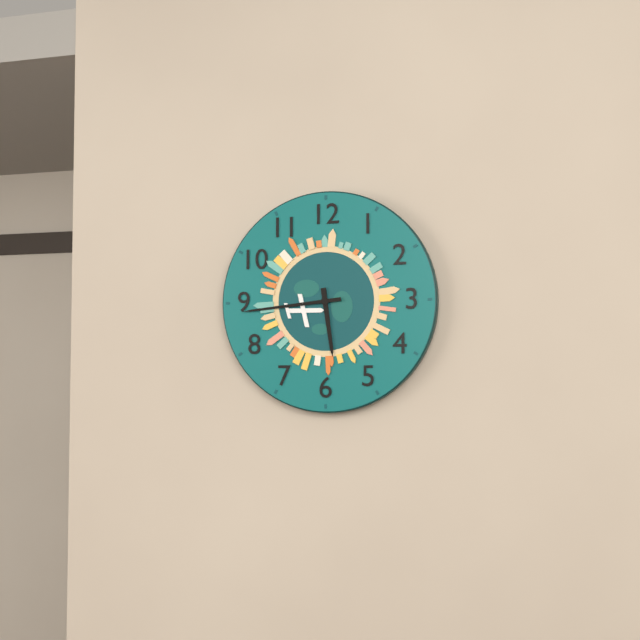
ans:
**5:44**
